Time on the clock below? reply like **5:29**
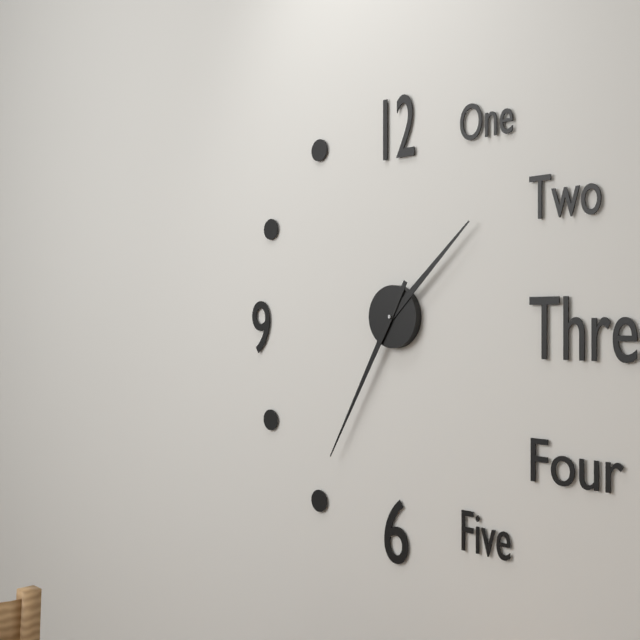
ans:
**1:35**
